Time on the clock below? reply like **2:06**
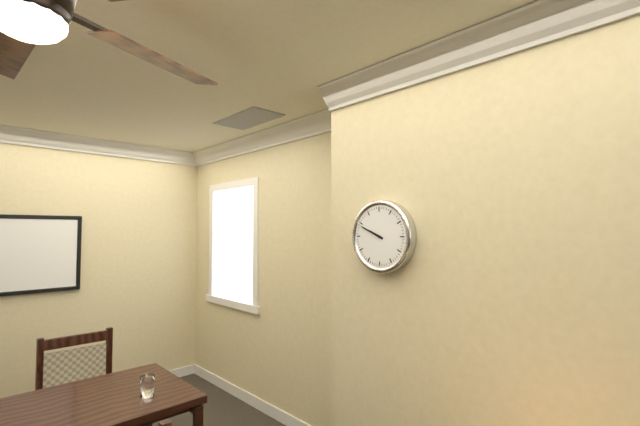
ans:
**9:49**
